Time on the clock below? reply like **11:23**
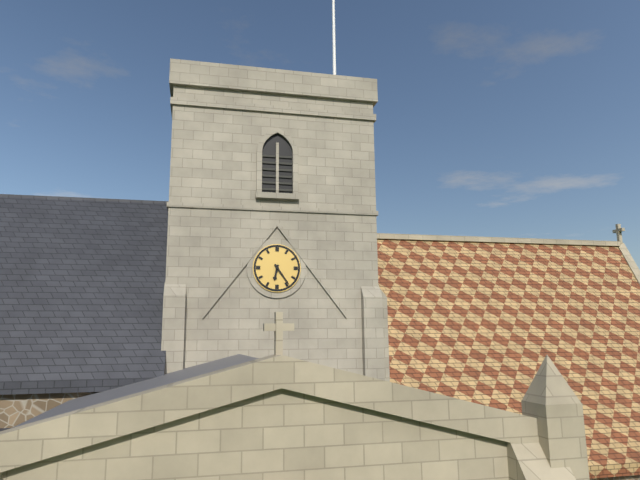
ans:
**6:24**
